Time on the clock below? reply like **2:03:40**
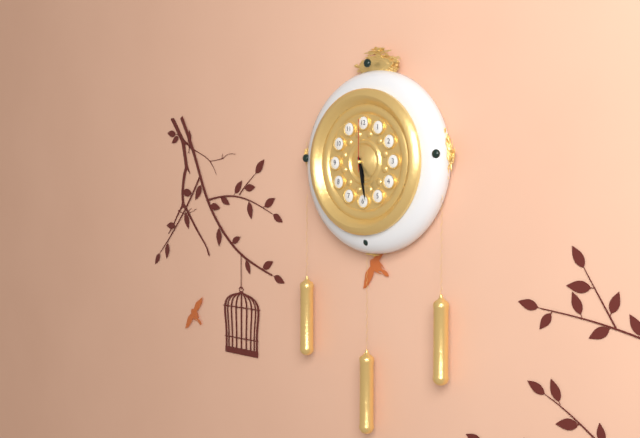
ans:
**5:28:00**
